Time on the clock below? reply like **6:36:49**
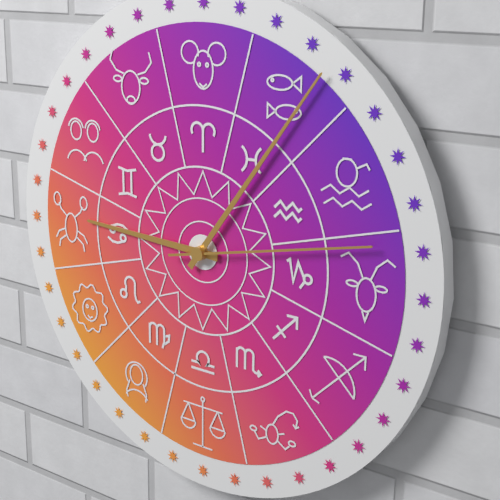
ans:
**9:06:13**
